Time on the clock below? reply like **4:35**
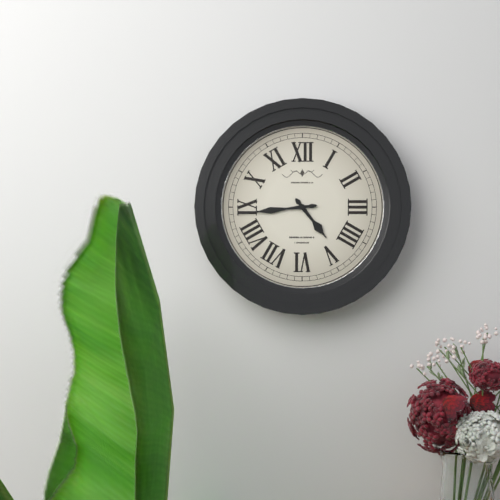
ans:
**4:44**
